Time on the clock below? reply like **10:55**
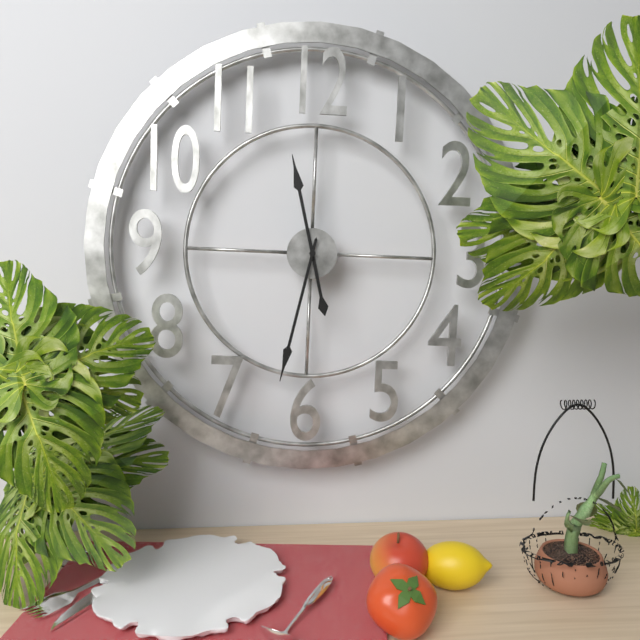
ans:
**11:32**
